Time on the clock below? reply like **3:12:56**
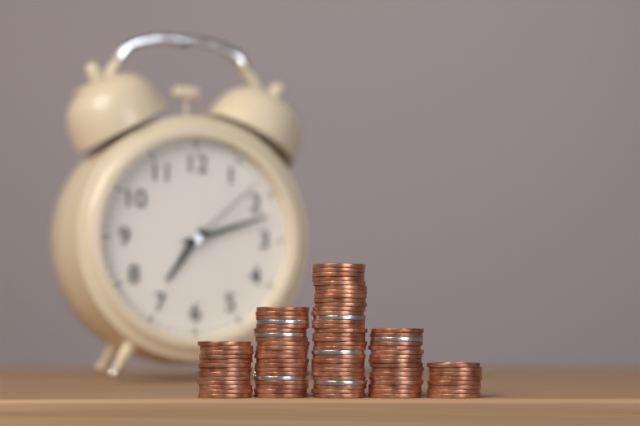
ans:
**7:12:08**
